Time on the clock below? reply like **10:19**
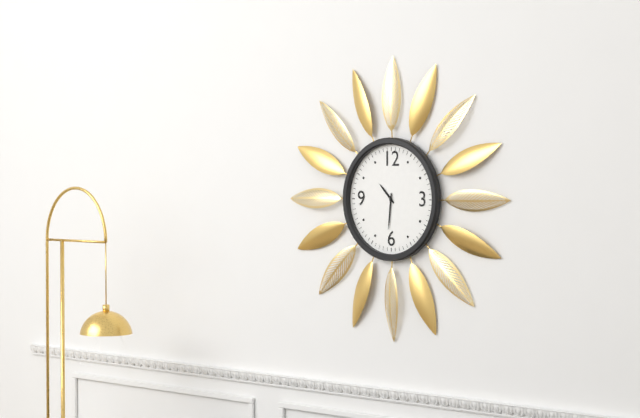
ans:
**10:31**
